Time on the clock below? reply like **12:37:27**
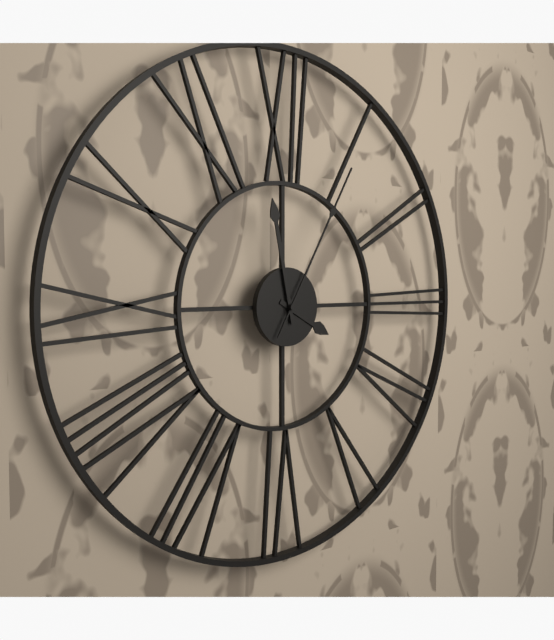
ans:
**3:58:05**
